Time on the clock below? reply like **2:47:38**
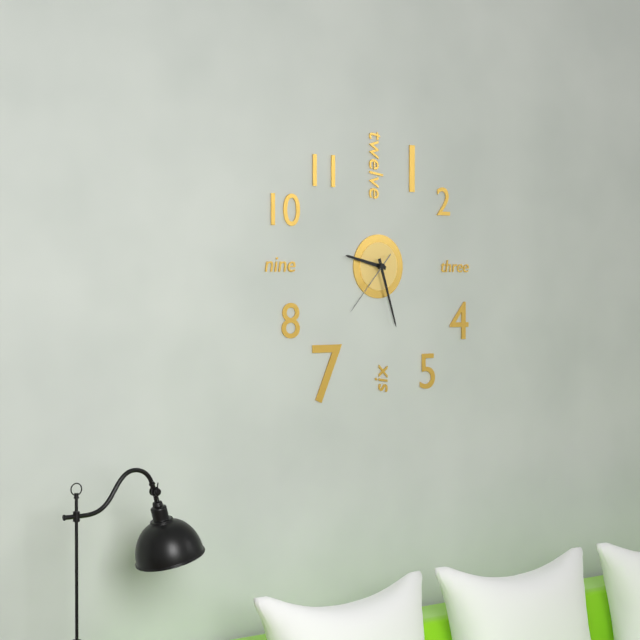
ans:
**9:27:37**
